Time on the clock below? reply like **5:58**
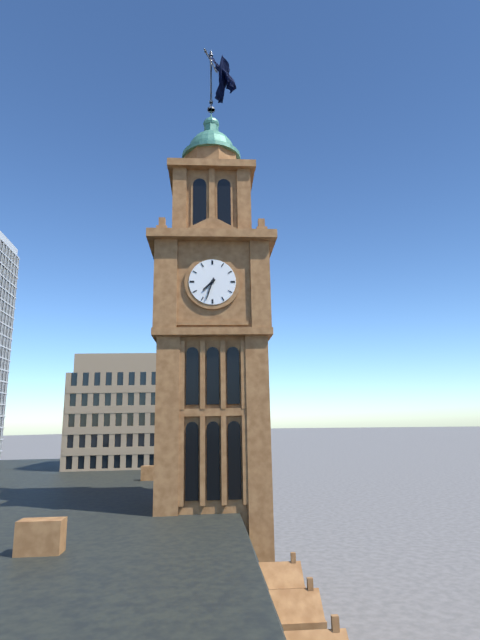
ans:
**7:33**
